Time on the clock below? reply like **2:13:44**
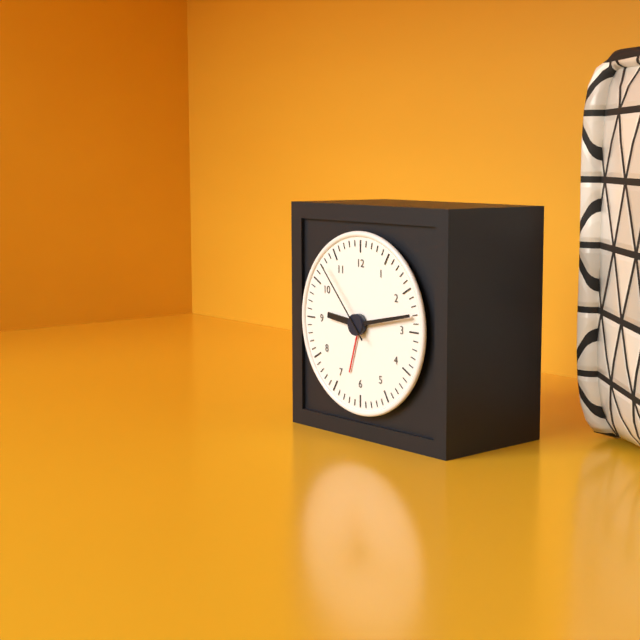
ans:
**9:13:53**
